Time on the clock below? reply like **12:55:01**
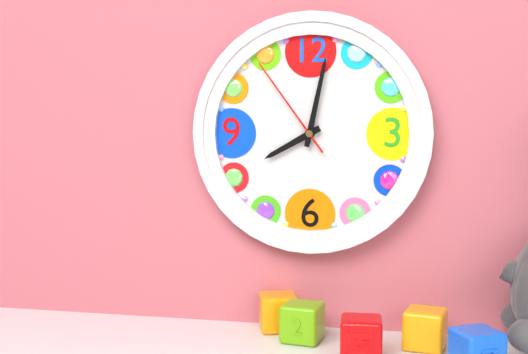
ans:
**8:02:54**
